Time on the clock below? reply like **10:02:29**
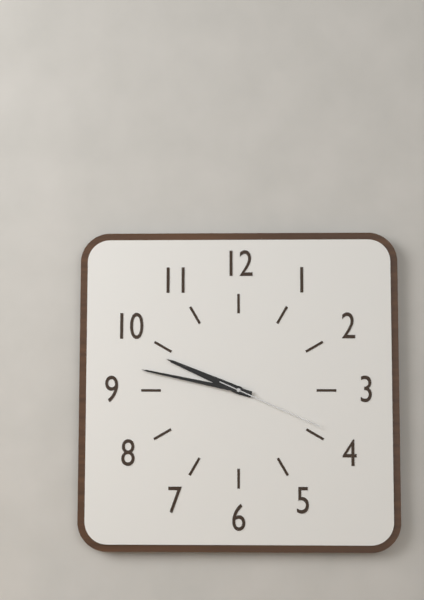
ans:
**9:47:19**
